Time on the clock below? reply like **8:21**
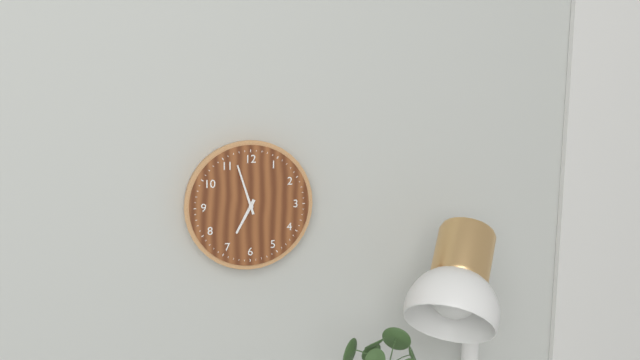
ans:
**6:57**
